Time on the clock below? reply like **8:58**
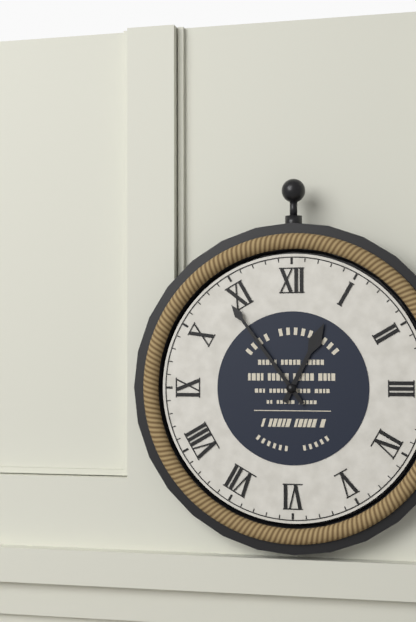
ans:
**12:54**
